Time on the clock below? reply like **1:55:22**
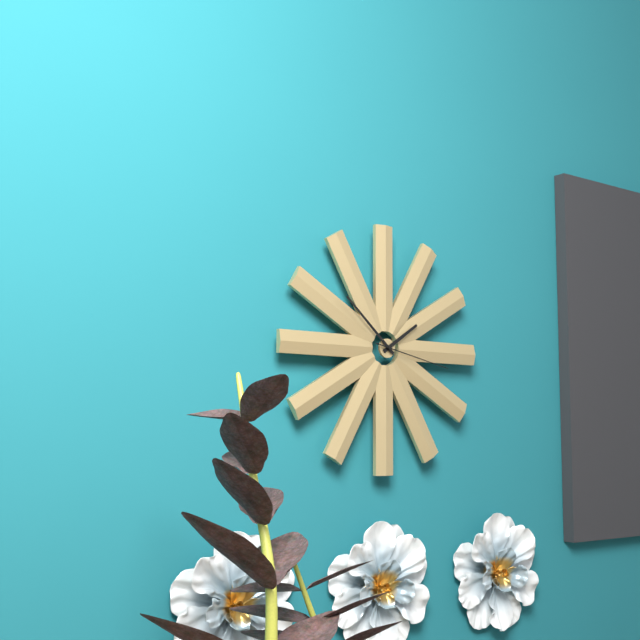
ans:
**1:52:17**
